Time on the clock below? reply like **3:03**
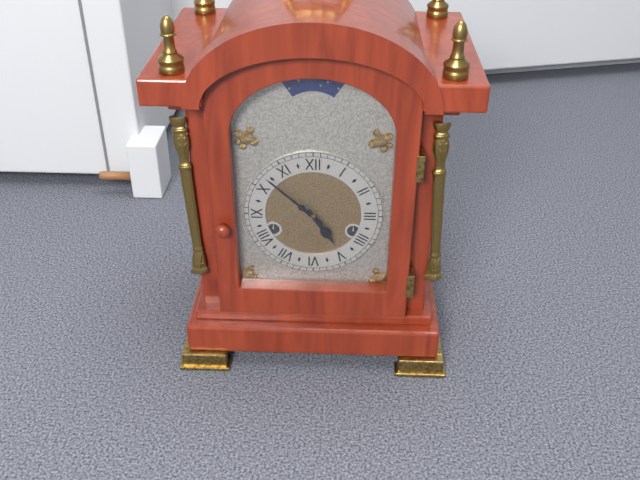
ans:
**4:52**
